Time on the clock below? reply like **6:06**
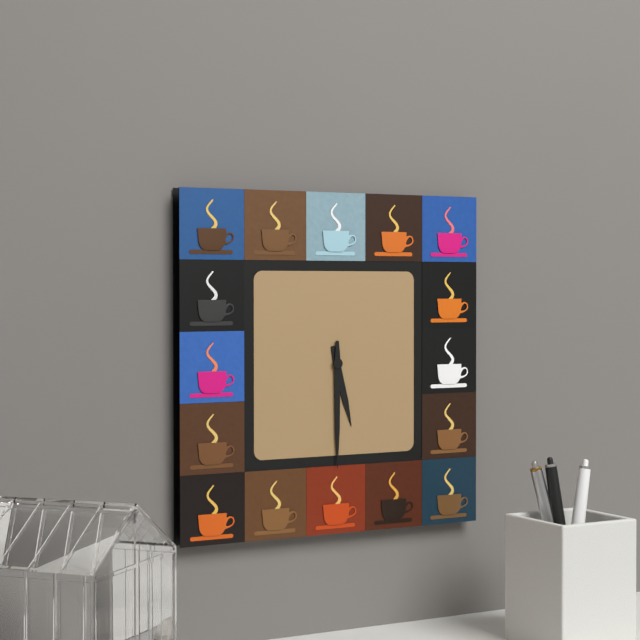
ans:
**5:30**
